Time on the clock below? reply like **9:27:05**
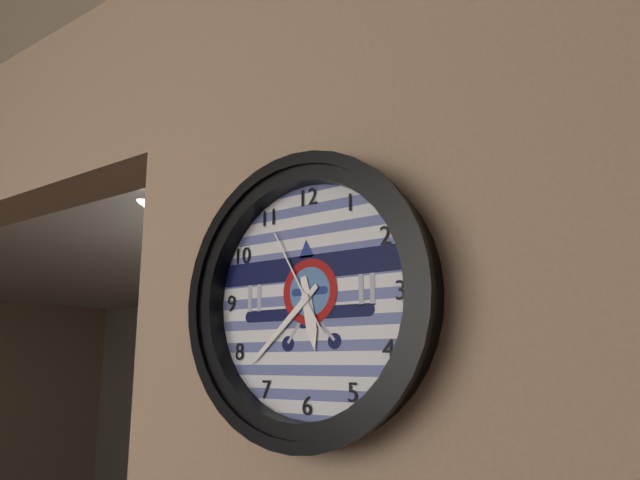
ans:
**5:38:55**
